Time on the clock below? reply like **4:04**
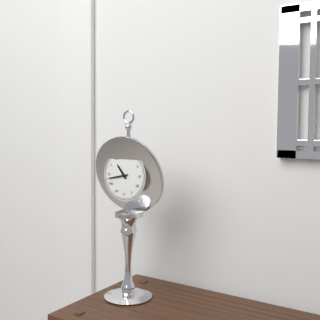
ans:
**10:43**
